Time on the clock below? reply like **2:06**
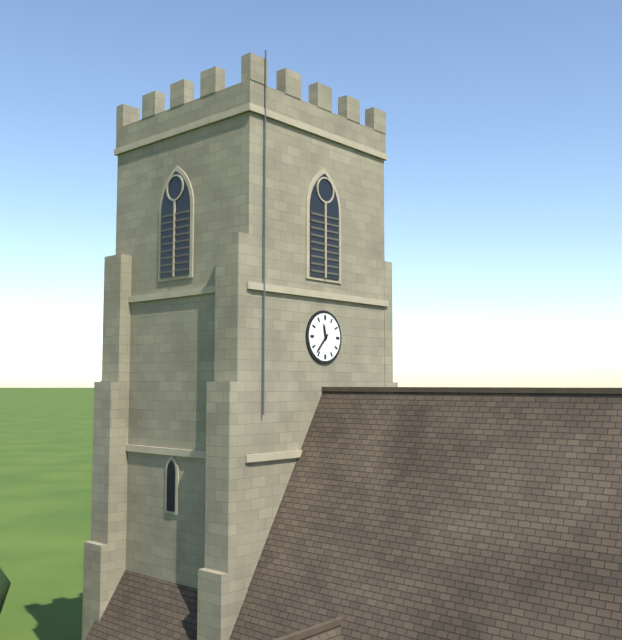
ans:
**11:37**
